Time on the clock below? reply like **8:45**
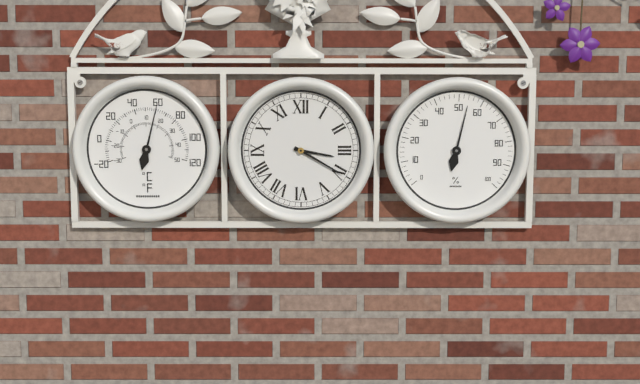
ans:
**3:20**
